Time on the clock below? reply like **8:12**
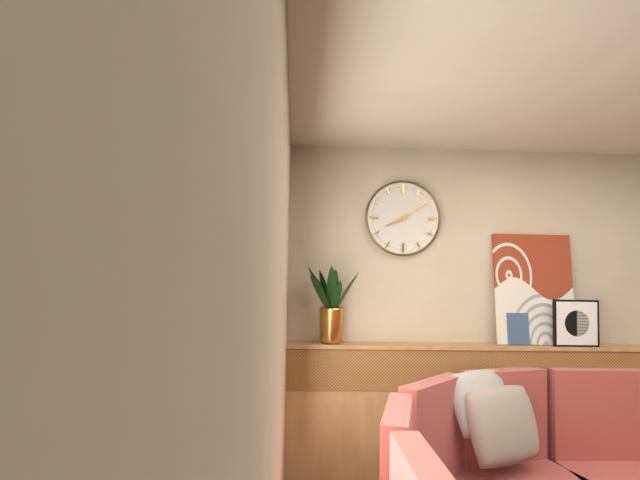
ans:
**8:09**
